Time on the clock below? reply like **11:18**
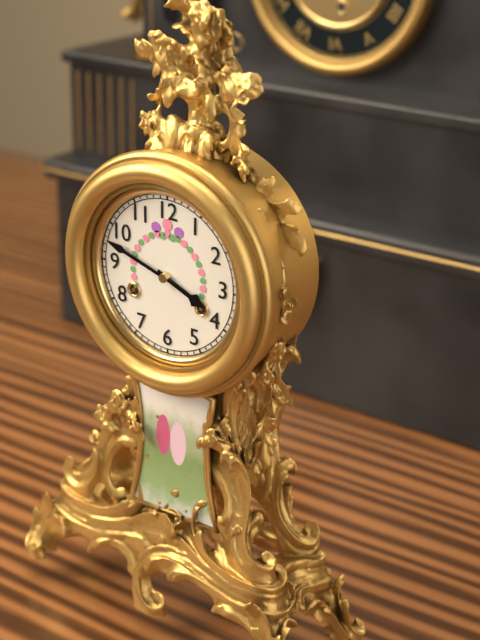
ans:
**3:48**
